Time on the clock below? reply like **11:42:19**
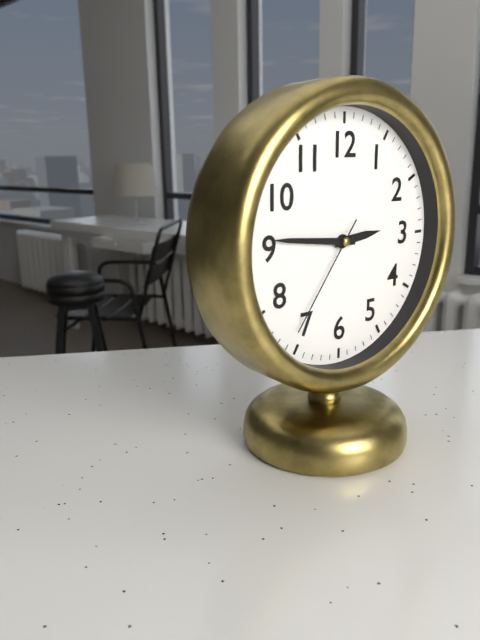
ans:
**2:46:36**
